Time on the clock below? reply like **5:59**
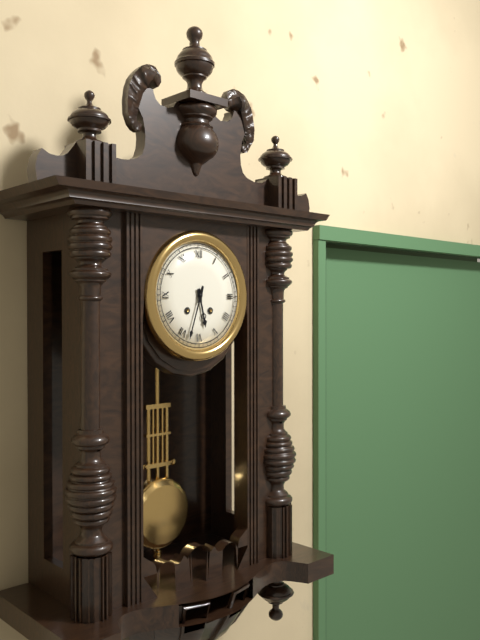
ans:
**5:33**
